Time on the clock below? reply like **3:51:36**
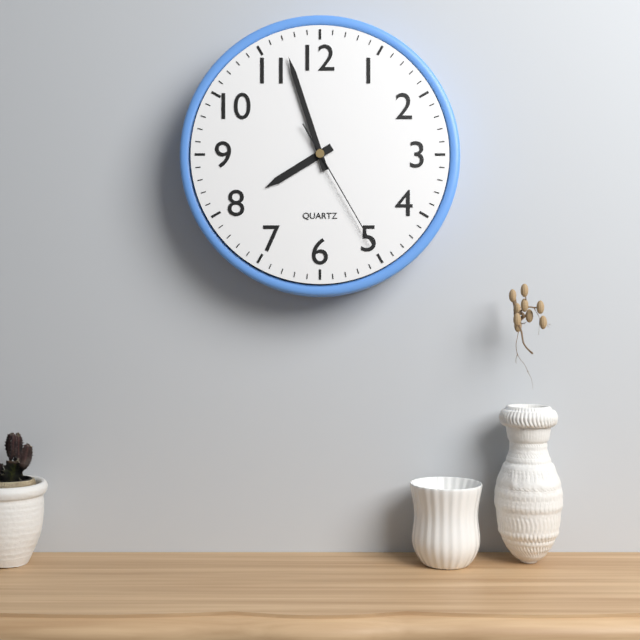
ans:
**7:57:25**
